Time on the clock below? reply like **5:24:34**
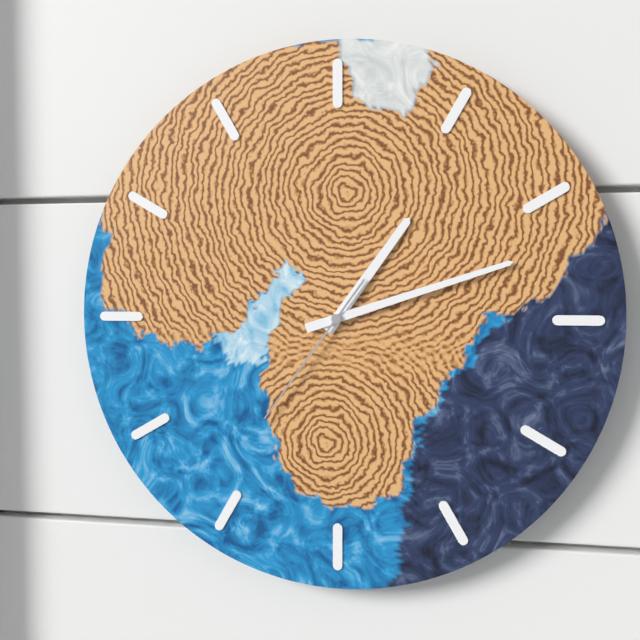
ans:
**1:12:36**
